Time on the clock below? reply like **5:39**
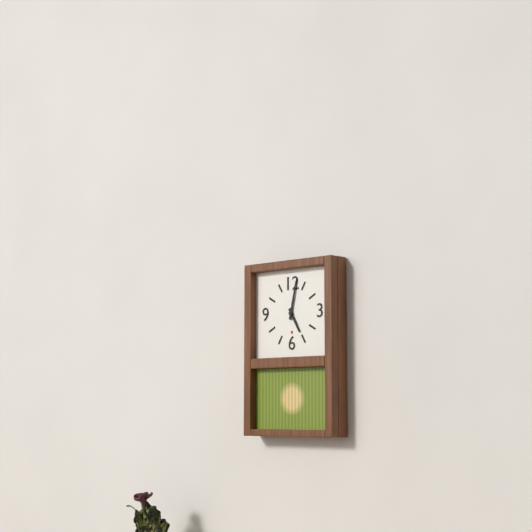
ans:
**5:02**
